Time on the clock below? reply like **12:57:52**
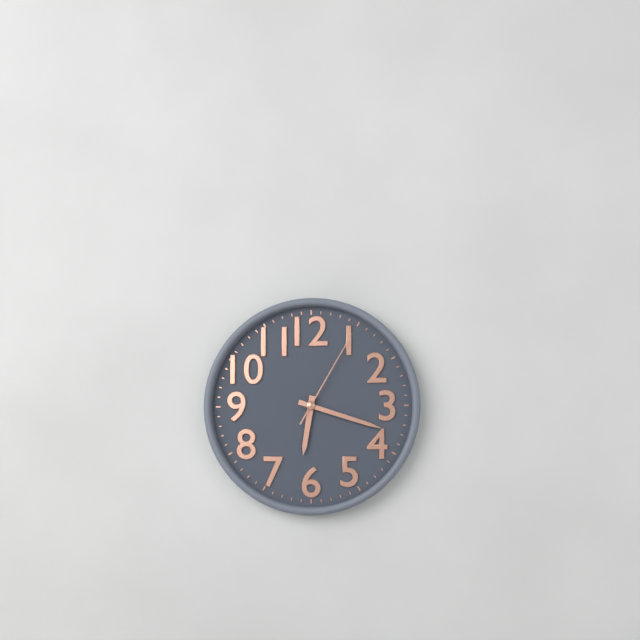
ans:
**6:18:05**
